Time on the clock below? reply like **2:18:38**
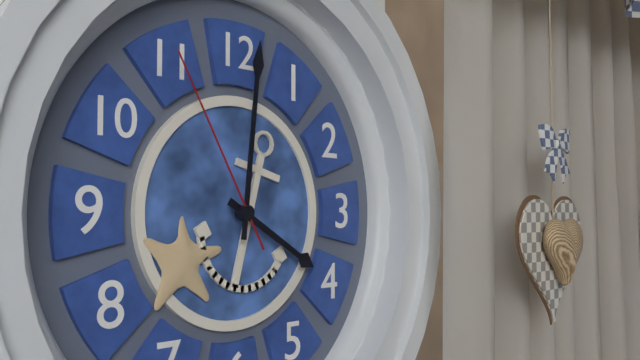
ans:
**4:01:55**
